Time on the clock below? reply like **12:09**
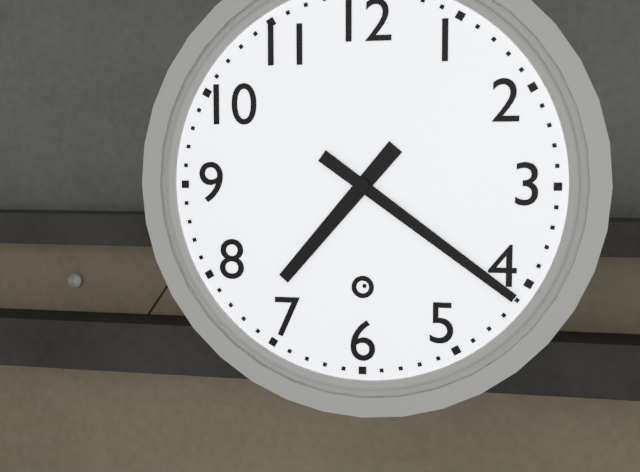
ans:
**7:21**
